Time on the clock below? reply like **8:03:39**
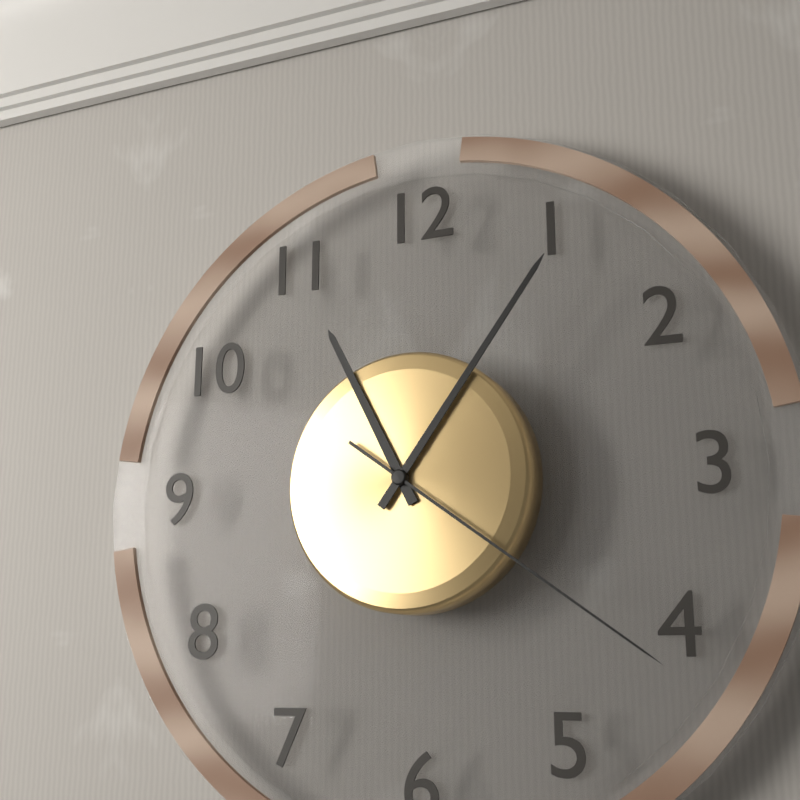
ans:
**11:06:21**
